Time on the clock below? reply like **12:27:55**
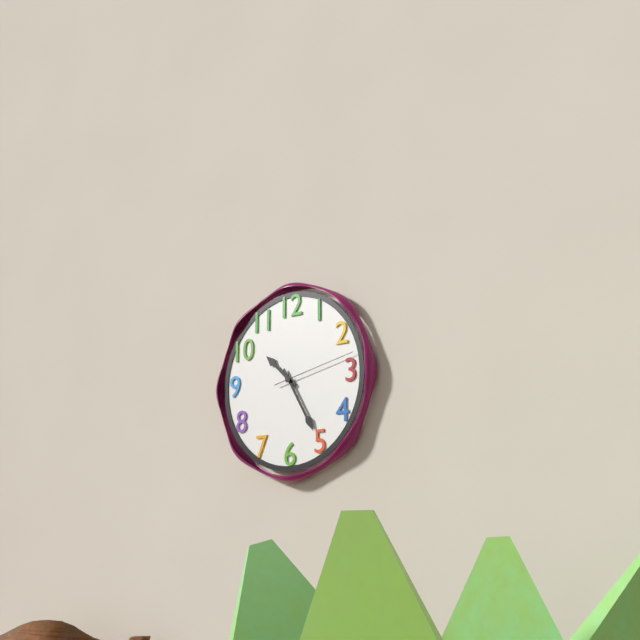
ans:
**10:25:13**
